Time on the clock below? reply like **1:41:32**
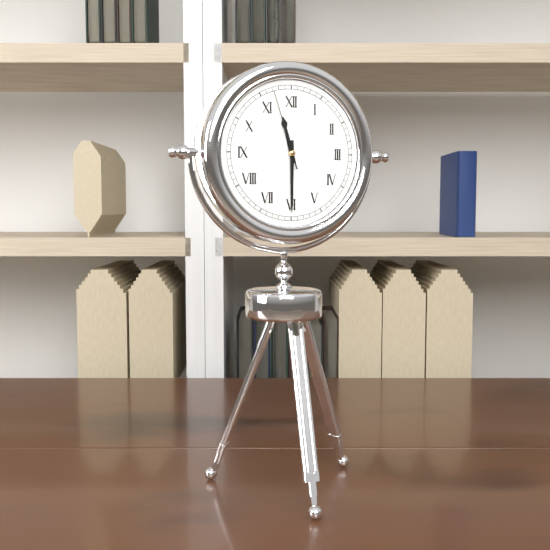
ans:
**11:30:57**
